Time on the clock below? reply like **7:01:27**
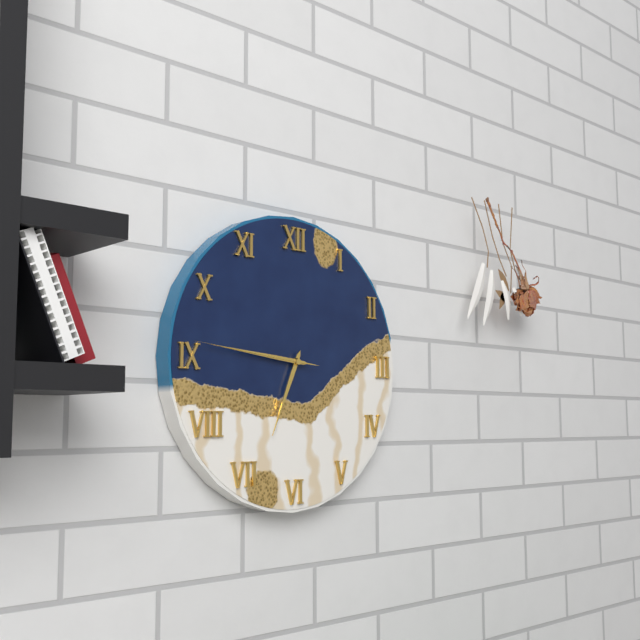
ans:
**6:46:46**
